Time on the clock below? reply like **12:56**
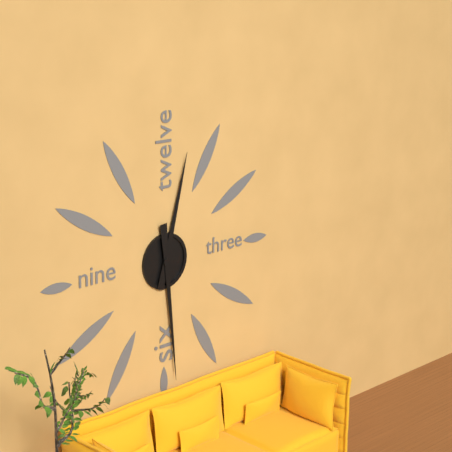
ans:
**12:29**
